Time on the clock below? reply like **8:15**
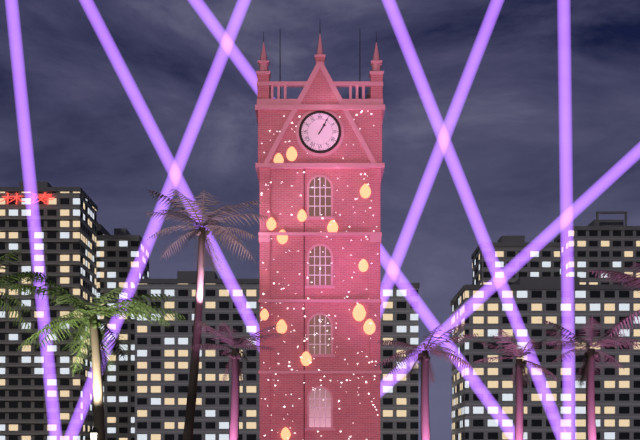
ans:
**1:05**
